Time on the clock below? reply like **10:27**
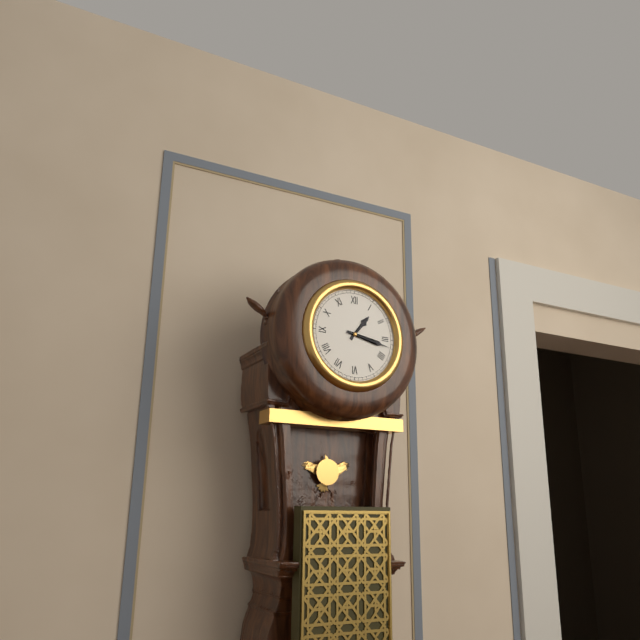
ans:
**1:17**
